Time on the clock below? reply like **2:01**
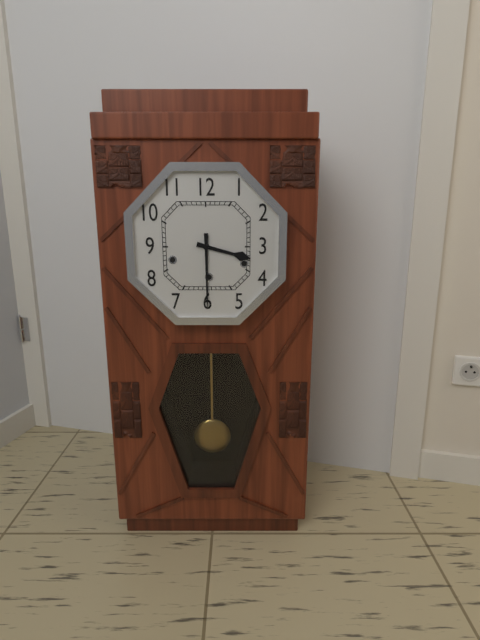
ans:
**3:30**
